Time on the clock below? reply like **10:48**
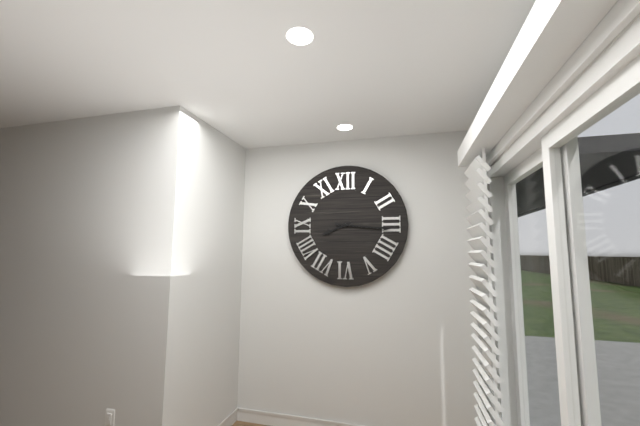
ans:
**8:16**
